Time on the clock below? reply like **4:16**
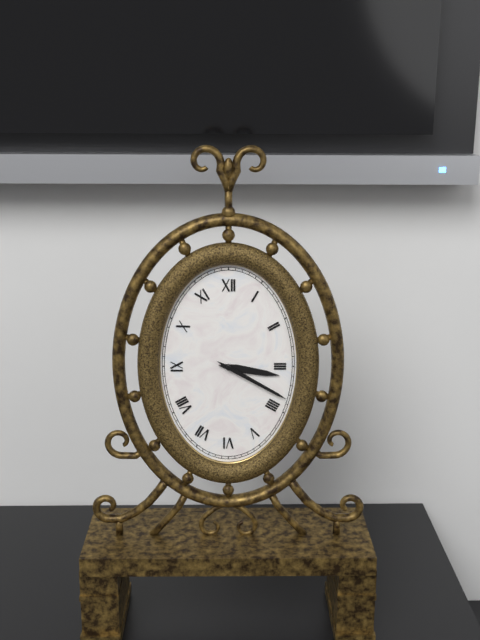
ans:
**3:20**
